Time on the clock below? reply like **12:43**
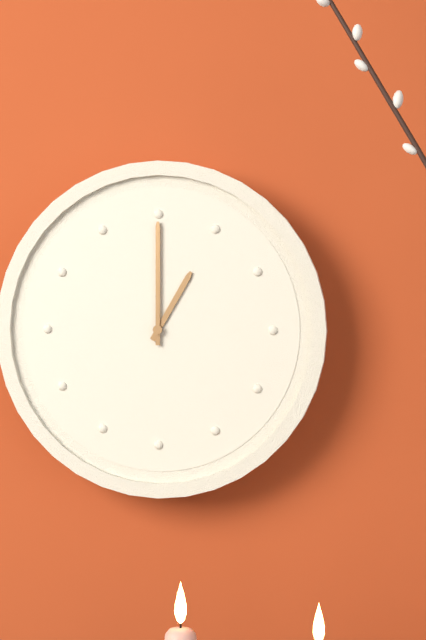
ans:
**1:00**
